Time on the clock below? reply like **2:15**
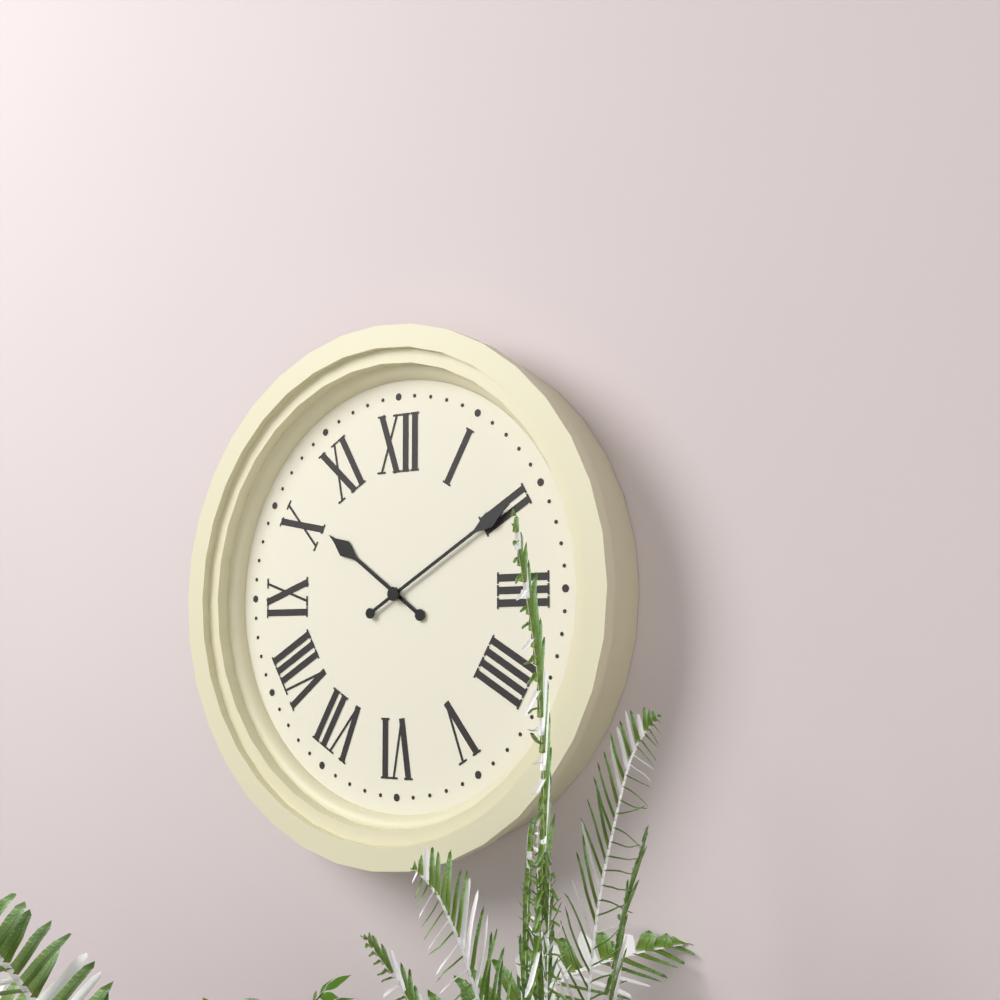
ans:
**10:10**
